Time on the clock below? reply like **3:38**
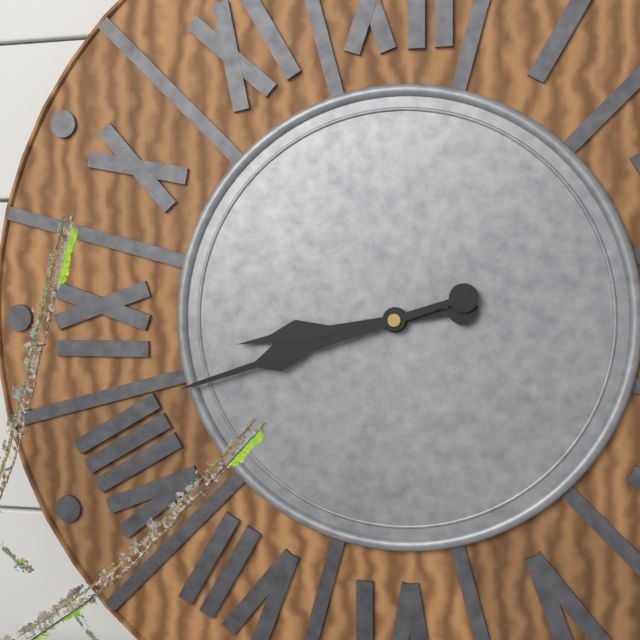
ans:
**8:42**
